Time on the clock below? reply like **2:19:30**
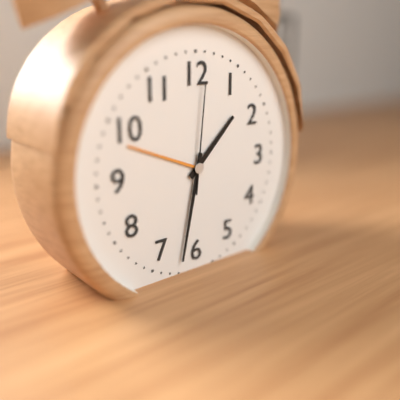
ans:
**1:32:01**
